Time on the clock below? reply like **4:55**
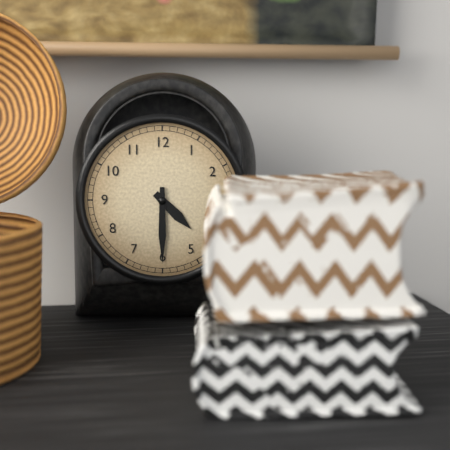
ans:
**4:30**
